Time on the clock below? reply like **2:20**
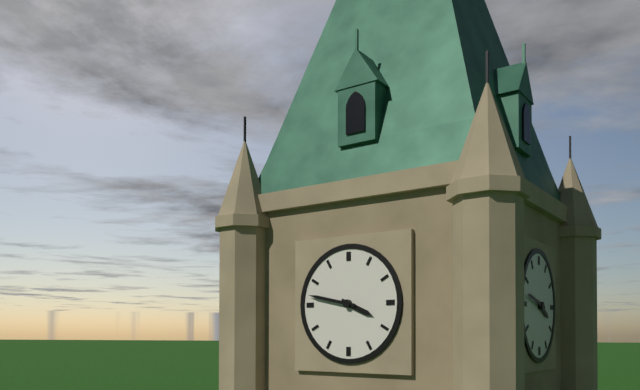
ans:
**3:47**
